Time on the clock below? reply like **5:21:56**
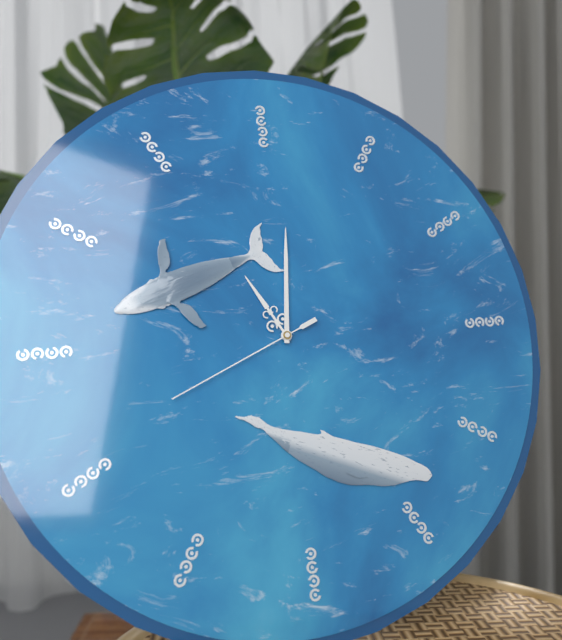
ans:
**11:01:41**
